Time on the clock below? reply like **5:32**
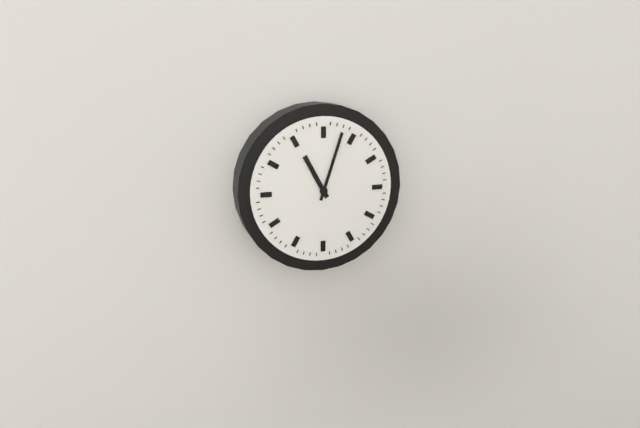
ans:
**11:03**
